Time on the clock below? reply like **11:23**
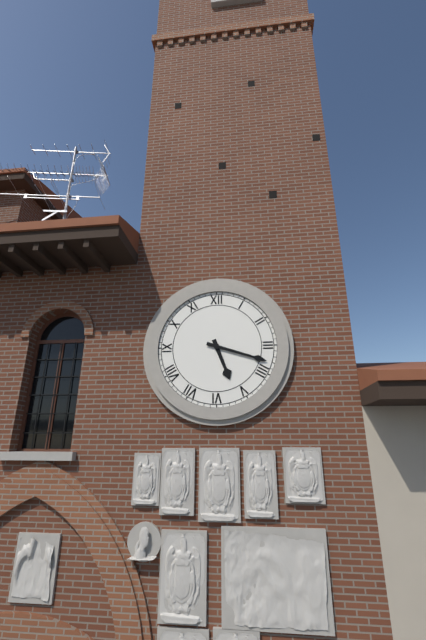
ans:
**5:18**
